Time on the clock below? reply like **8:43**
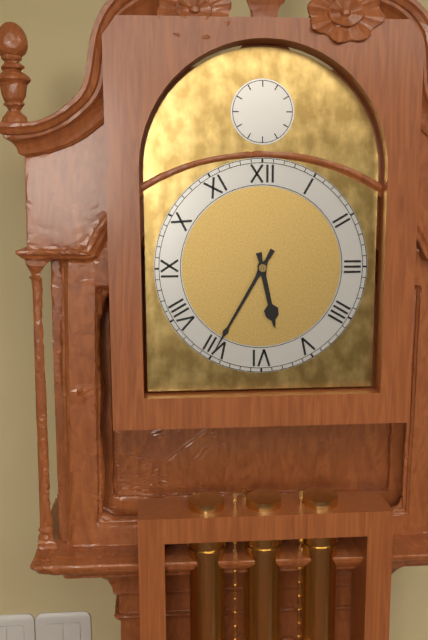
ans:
**5:35**
